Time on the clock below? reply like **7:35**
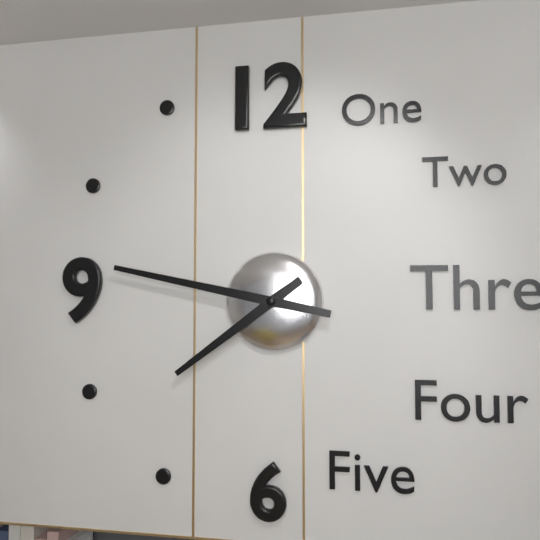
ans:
**7:47**
